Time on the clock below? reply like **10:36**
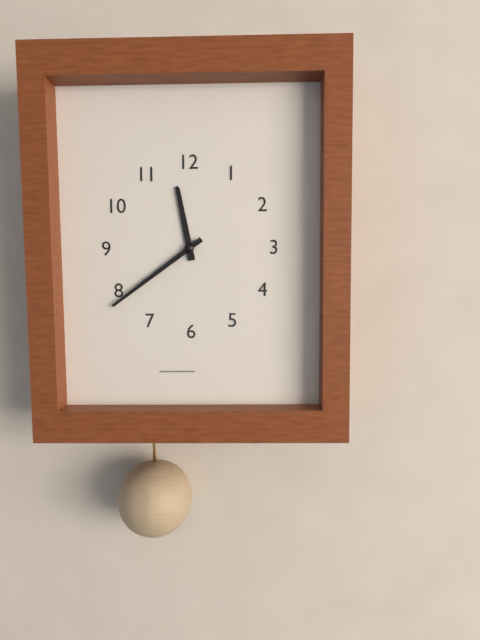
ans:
**11:39**
